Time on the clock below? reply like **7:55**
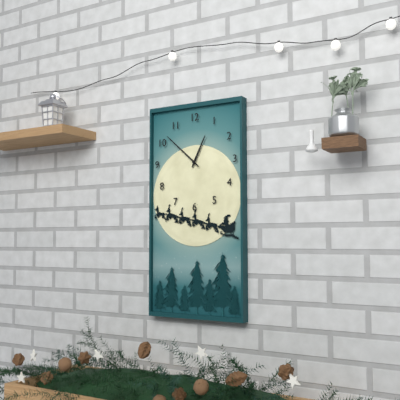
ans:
**12:52**
